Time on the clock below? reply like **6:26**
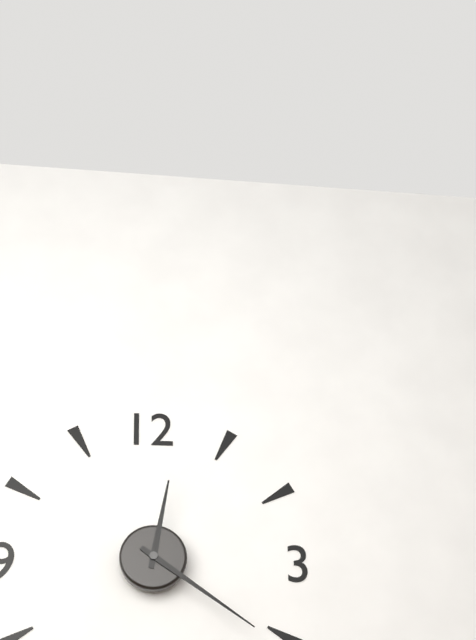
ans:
**12:21**
